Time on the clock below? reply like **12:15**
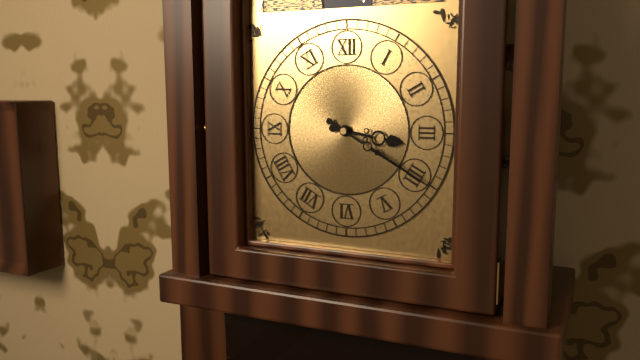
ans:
**3:20**
